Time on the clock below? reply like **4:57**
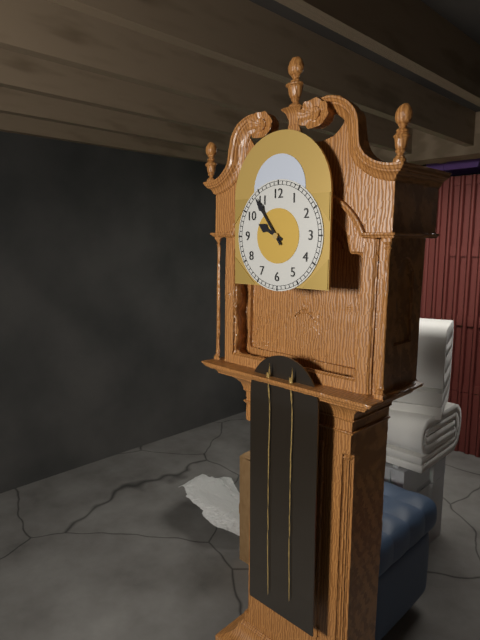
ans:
**9:54**
